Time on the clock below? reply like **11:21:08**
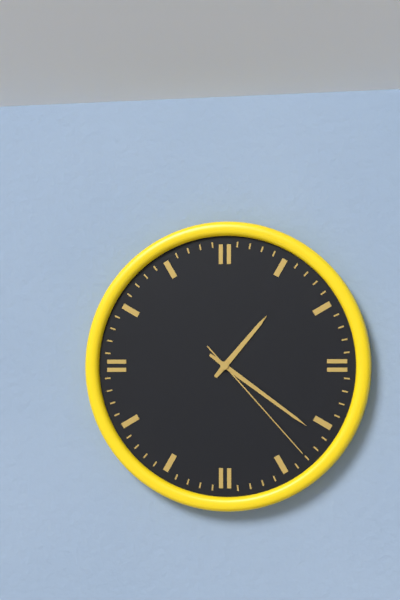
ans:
**1:21:23**
